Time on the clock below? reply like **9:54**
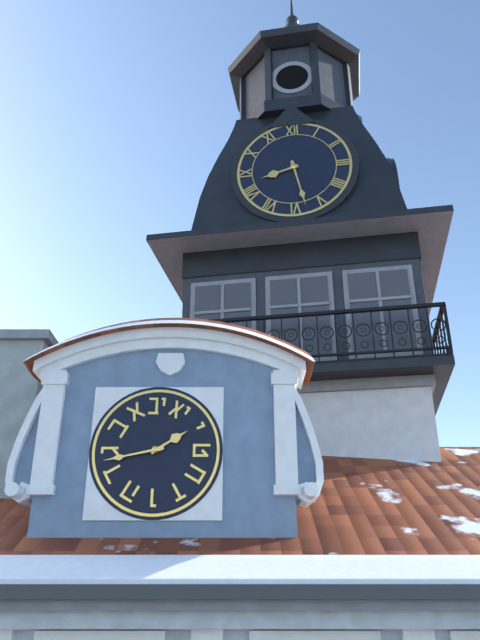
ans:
**8:28**
